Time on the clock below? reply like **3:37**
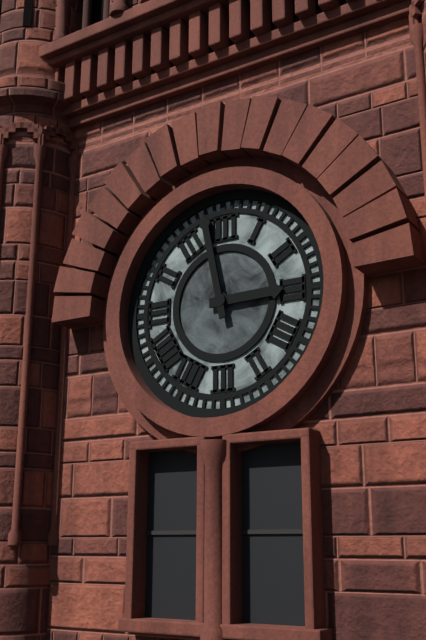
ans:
**2:58**
